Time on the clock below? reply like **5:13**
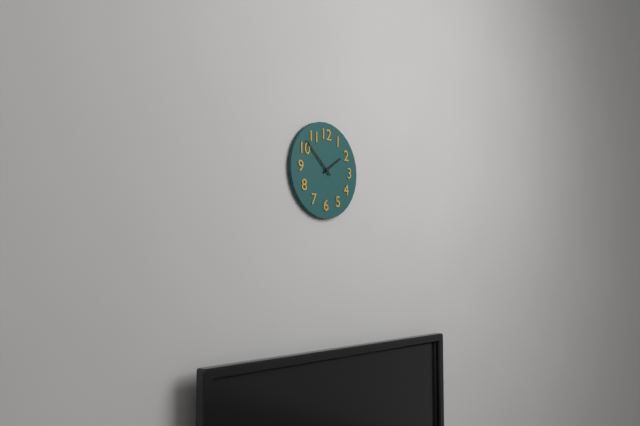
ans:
**1:52**
